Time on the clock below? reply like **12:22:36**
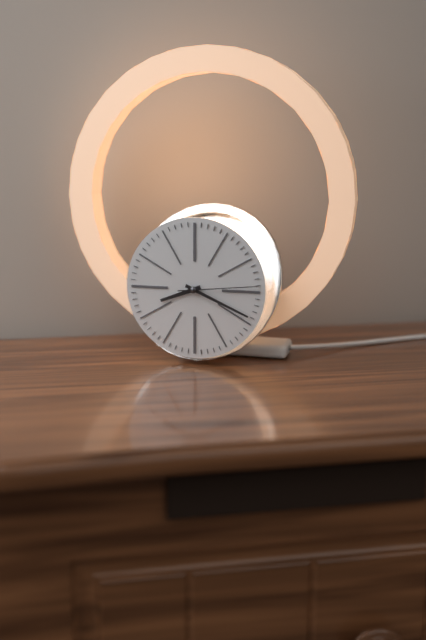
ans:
**8:19:14**
